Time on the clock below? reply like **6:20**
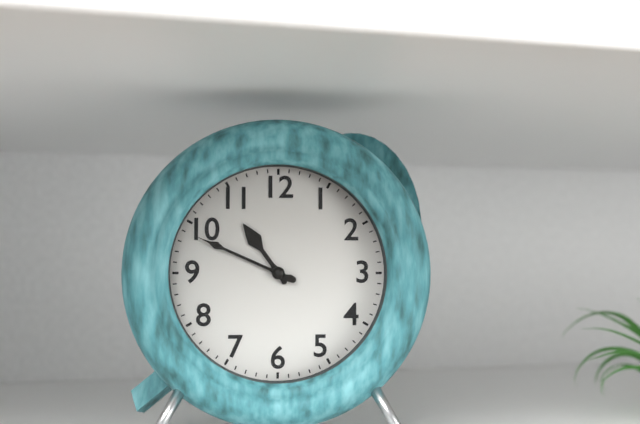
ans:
**10:49**
